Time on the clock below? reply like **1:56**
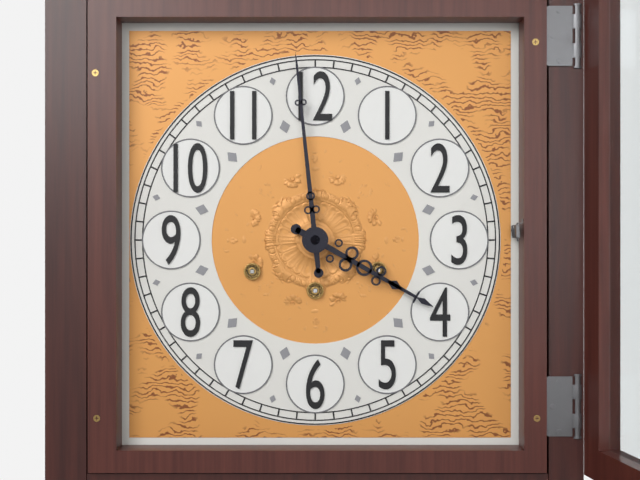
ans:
**3:59**
